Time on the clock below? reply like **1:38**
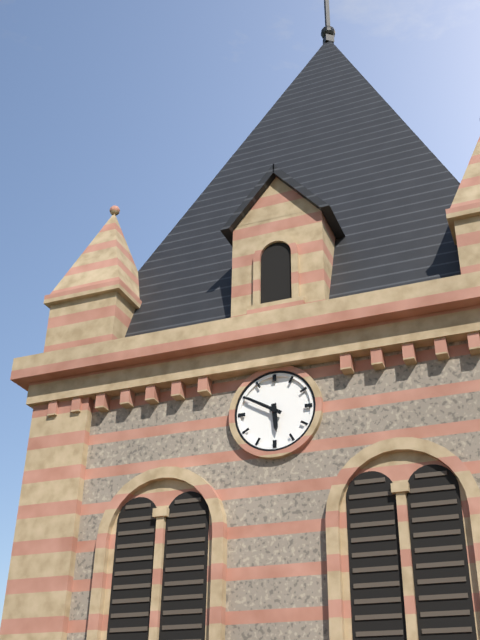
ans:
**5:50**
